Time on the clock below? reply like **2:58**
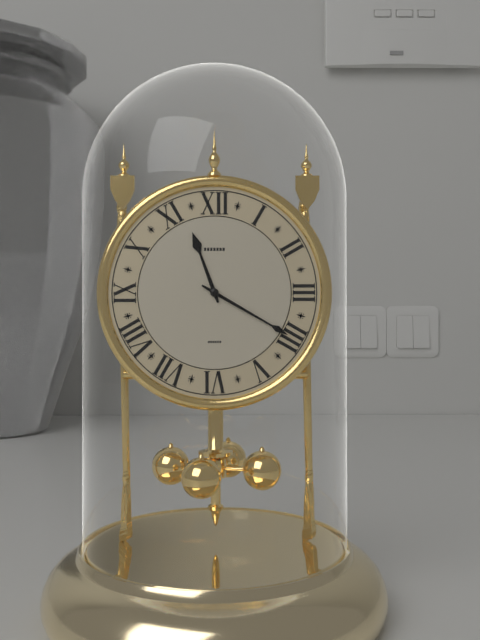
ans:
**11:20**
